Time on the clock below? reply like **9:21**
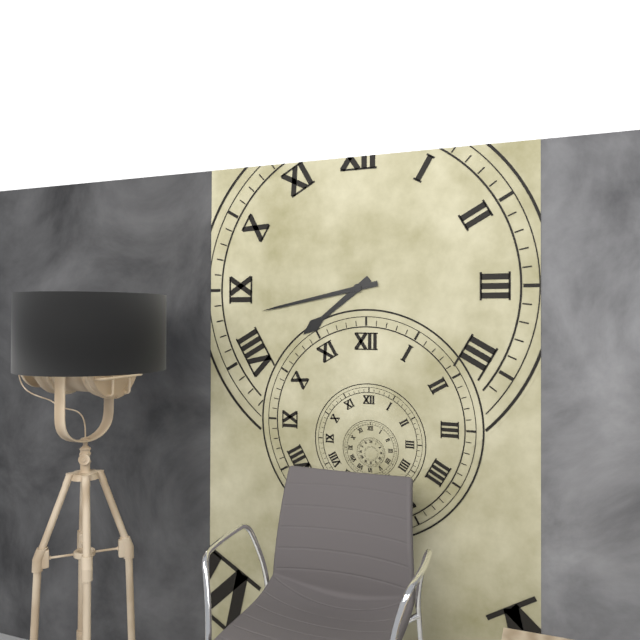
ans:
**7:43**
